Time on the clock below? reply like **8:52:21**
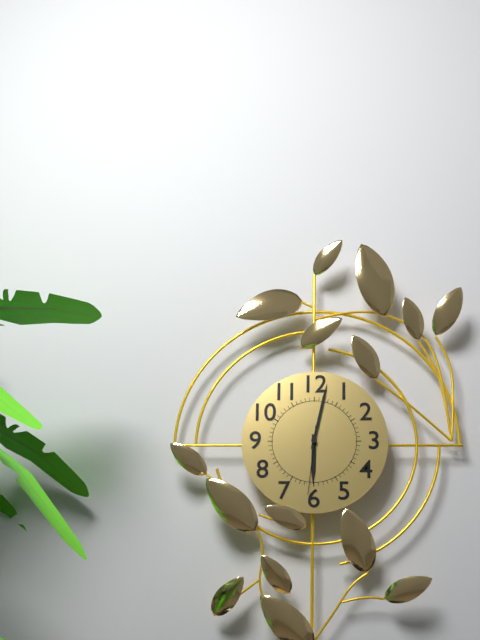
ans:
**6:02:31**
